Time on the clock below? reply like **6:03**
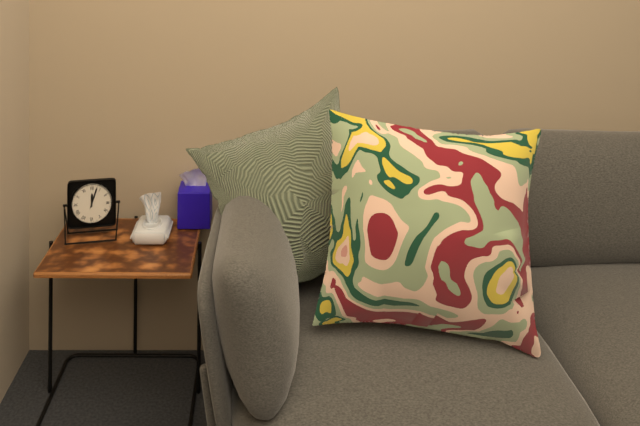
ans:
**12:03**
